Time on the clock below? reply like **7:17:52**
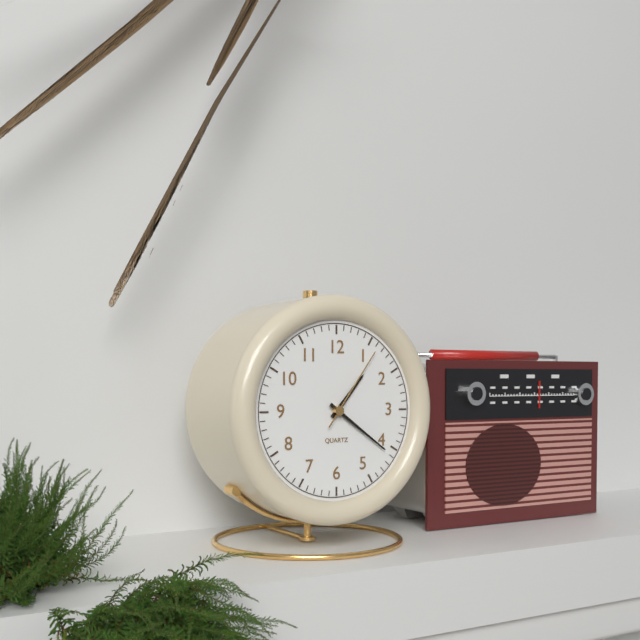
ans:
**1:21:06**
